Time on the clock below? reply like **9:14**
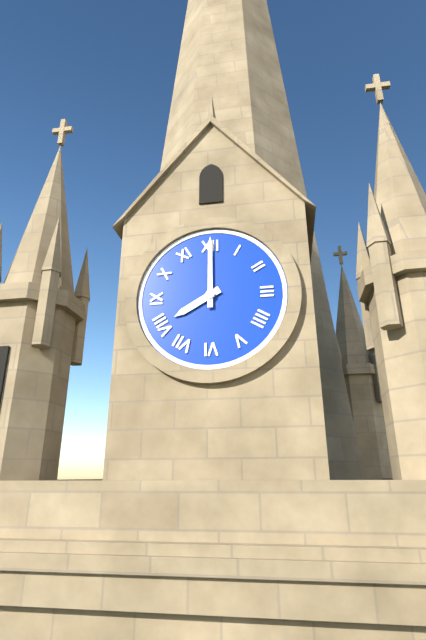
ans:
**8:00**
